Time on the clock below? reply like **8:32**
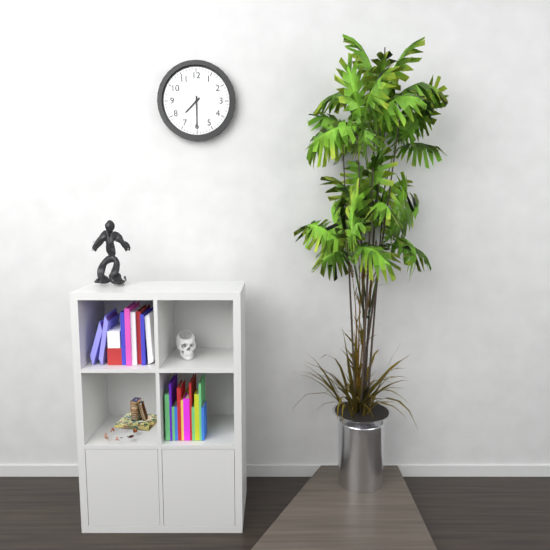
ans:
**7:30**
